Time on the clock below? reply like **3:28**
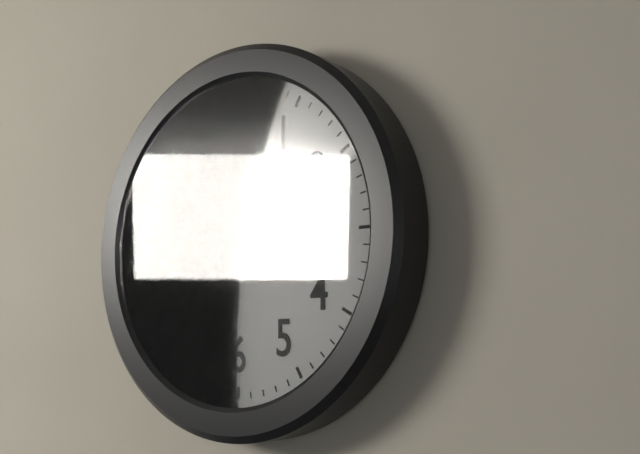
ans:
**3:54**
